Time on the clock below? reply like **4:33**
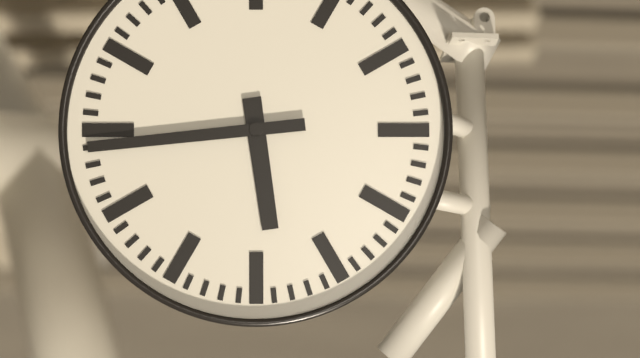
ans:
**5:44**
